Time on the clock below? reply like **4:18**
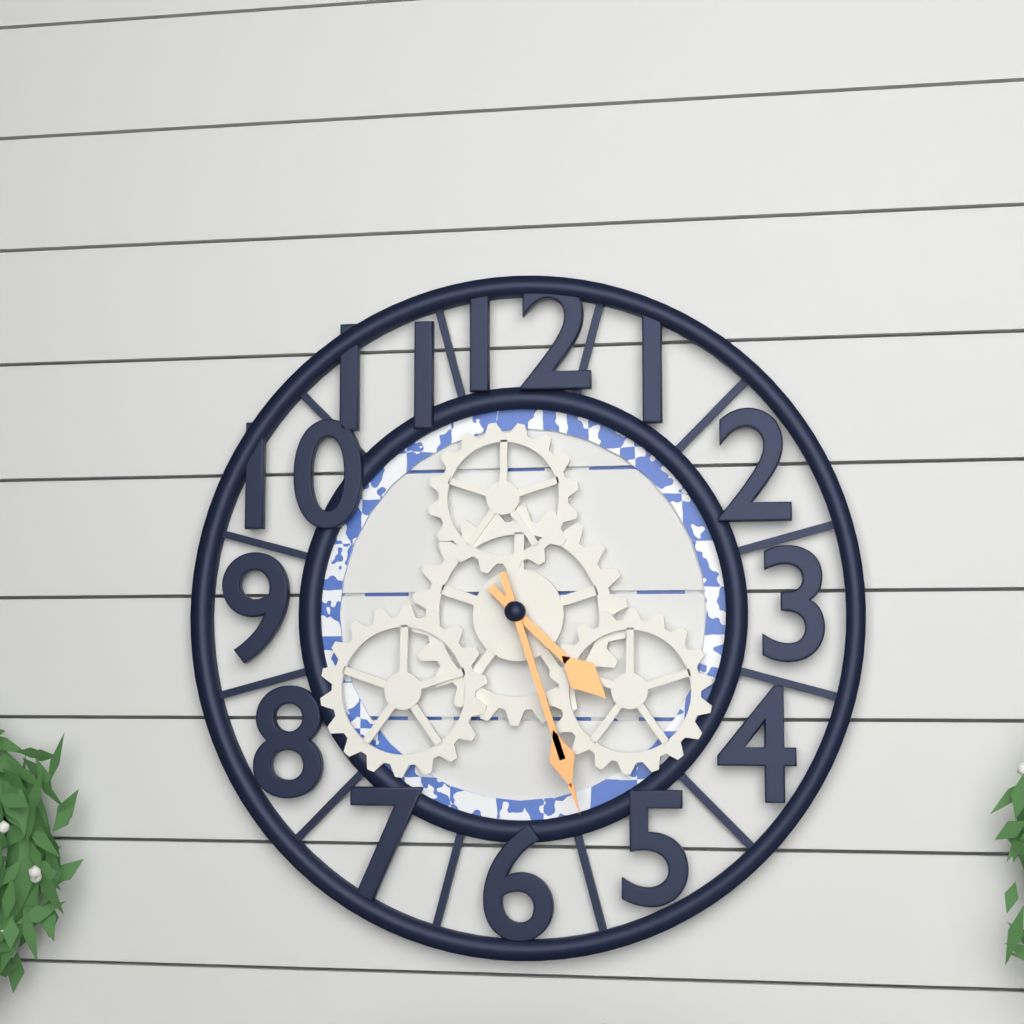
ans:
**4:27**
